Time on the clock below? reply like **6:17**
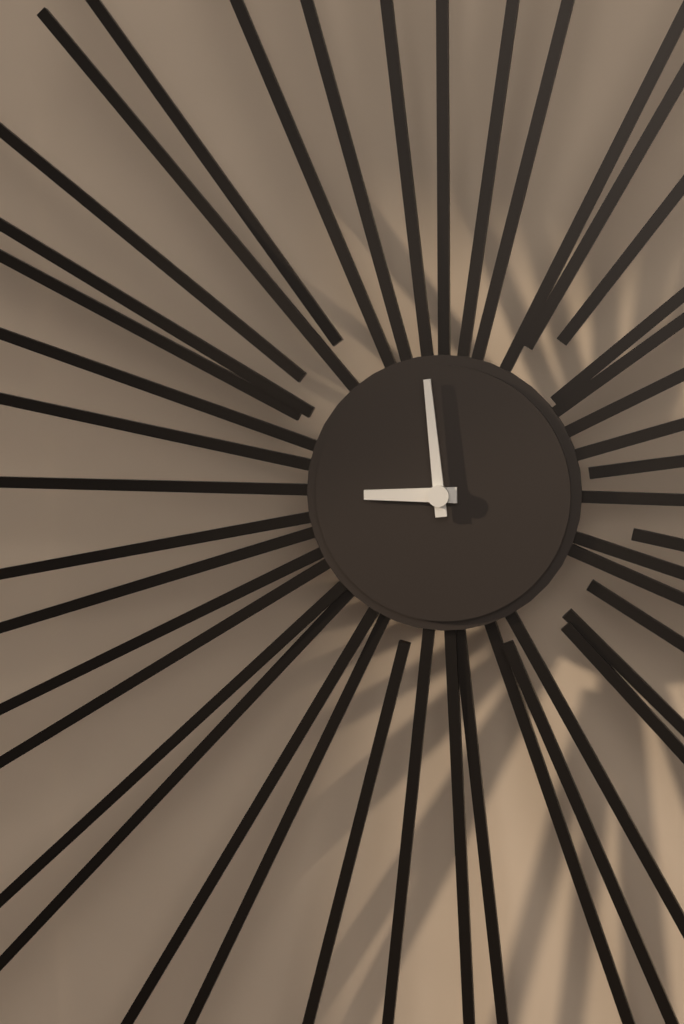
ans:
**8:59**
